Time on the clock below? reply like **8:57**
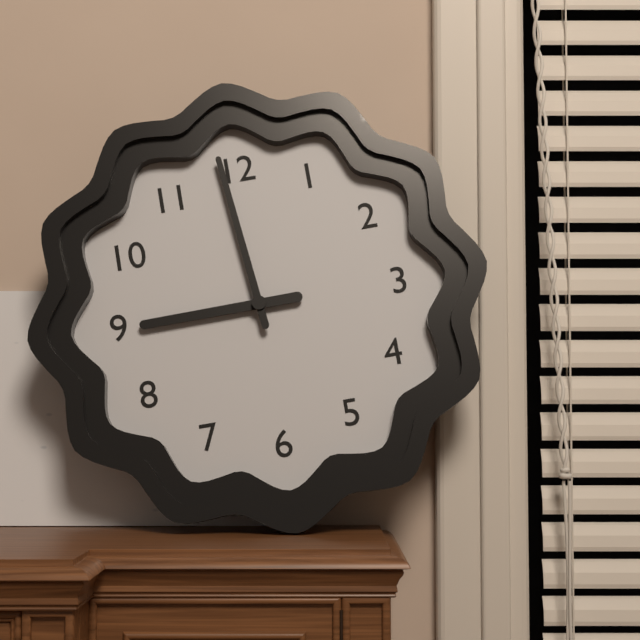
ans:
**8:59**
